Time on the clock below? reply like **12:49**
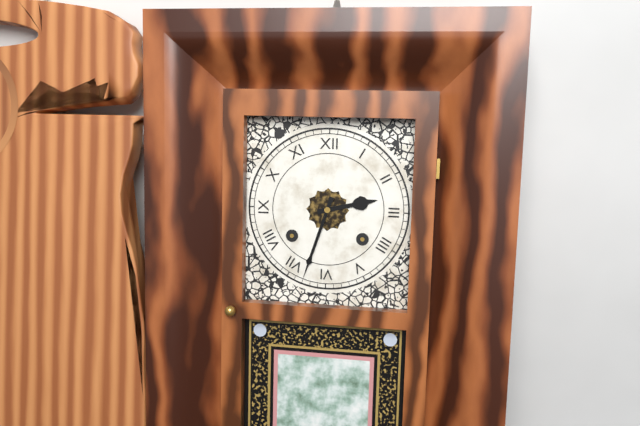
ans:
**2:33**
